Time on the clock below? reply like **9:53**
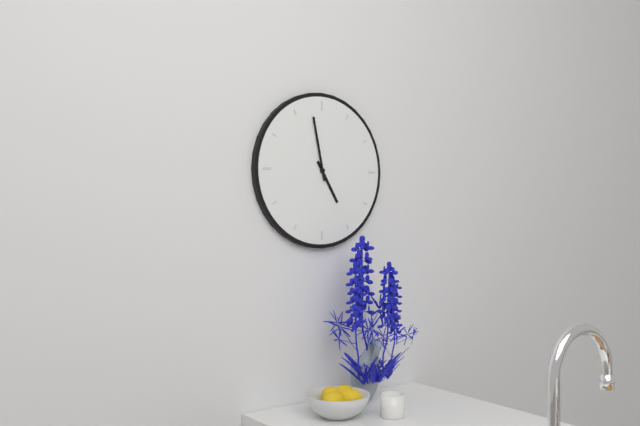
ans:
**4:58**
